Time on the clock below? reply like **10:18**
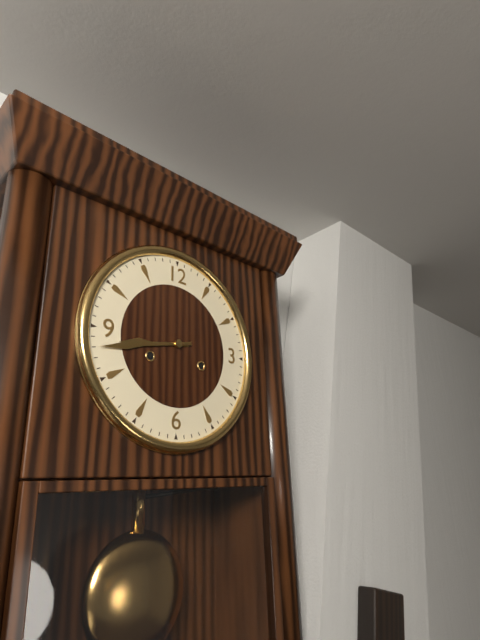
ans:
**8:43**
